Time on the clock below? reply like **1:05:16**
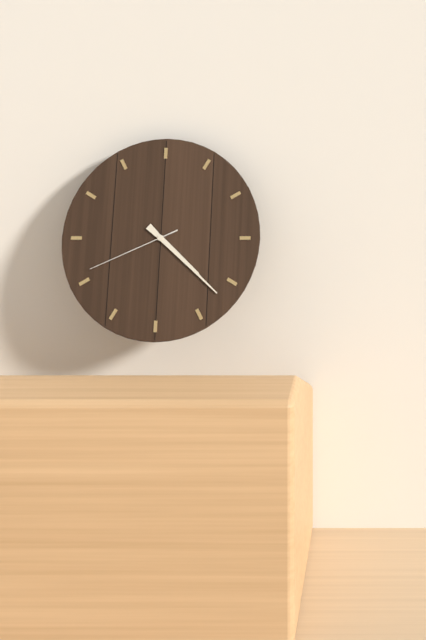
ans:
**4:22:41**
